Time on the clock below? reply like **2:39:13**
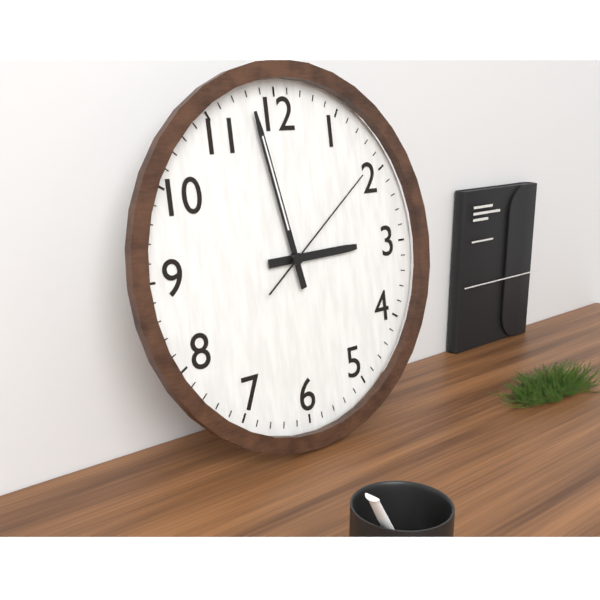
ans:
**2:58:09**
